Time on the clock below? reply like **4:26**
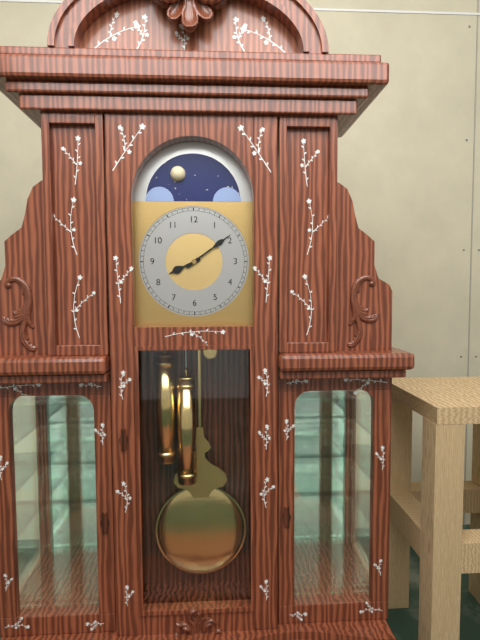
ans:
**8:09**
